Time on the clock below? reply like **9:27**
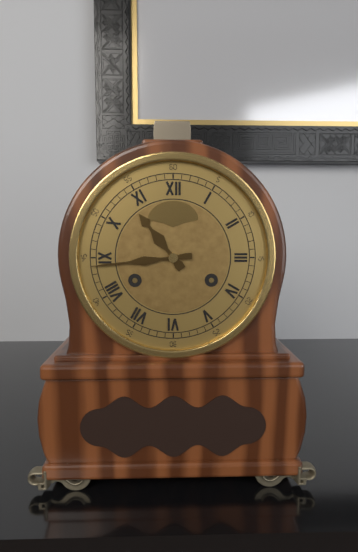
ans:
**10:44**
